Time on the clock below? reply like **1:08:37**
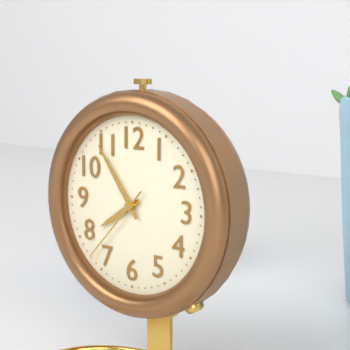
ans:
**7:54:37**
